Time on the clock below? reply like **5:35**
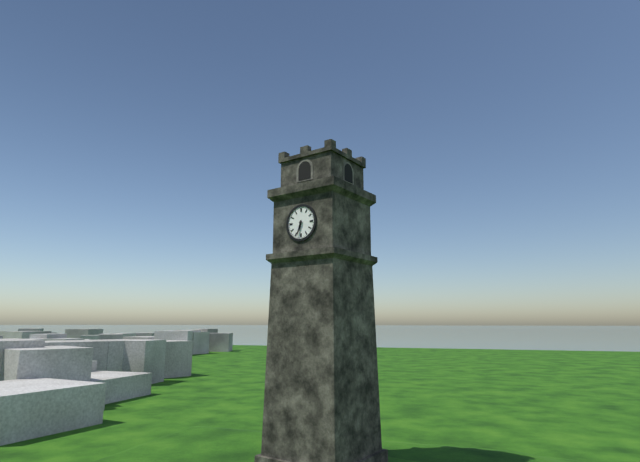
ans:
**6:33**
